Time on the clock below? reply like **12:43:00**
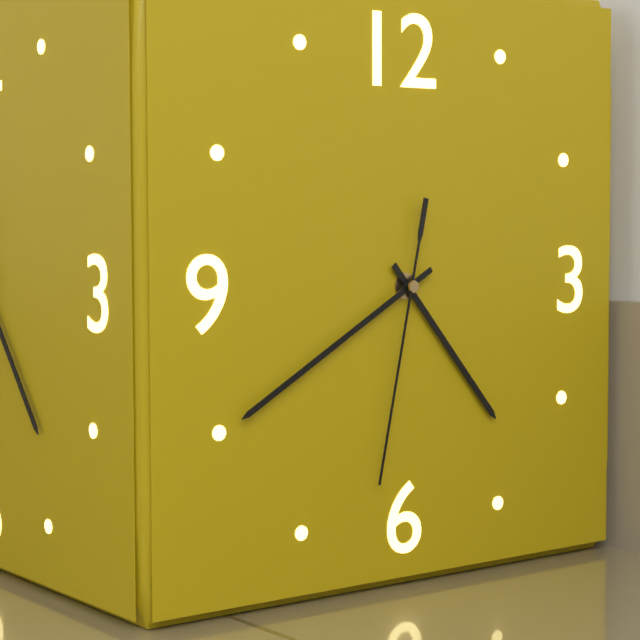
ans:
**4:40:32**
